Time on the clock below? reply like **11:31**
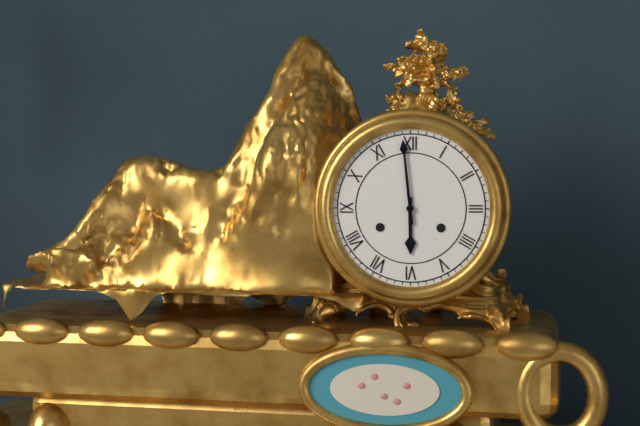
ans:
**5:59**
